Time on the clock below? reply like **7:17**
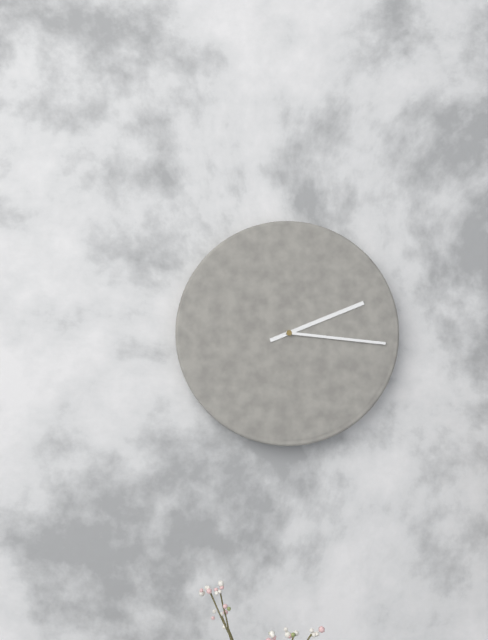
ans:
**2:16**
